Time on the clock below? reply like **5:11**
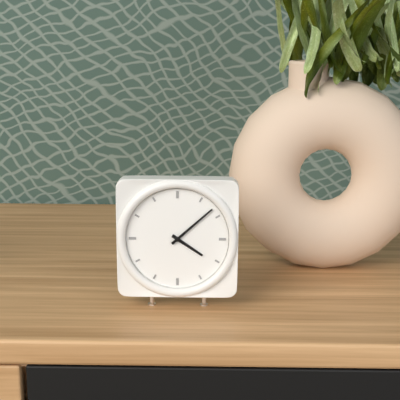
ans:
**4:08**
